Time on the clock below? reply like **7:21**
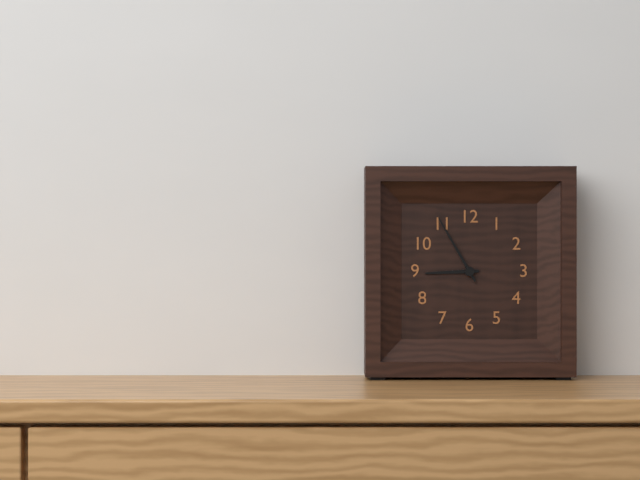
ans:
**8:55**
